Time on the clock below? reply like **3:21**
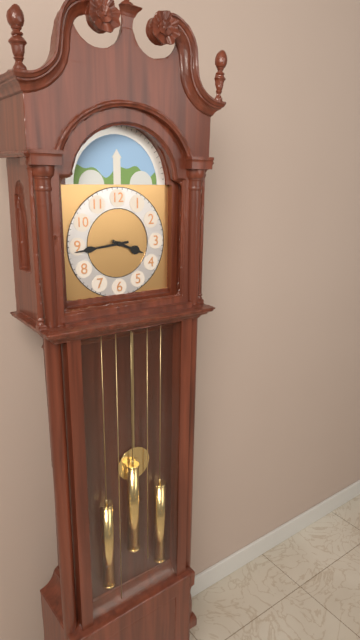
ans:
**3:44**
